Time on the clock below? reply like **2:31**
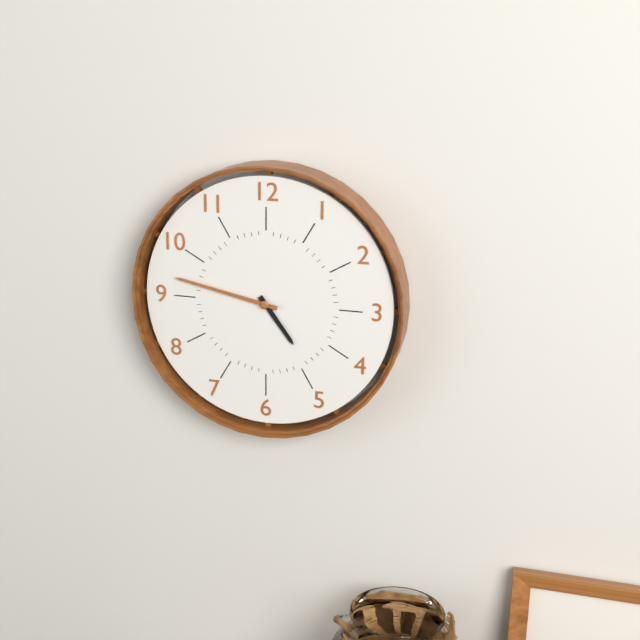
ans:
**4:47**
